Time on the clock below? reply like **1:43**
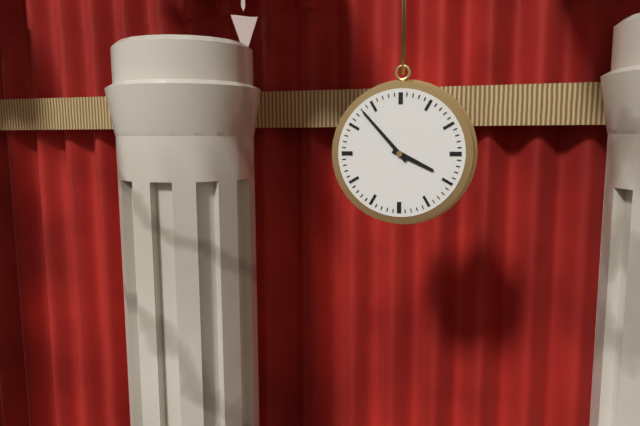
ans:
**3:53**
